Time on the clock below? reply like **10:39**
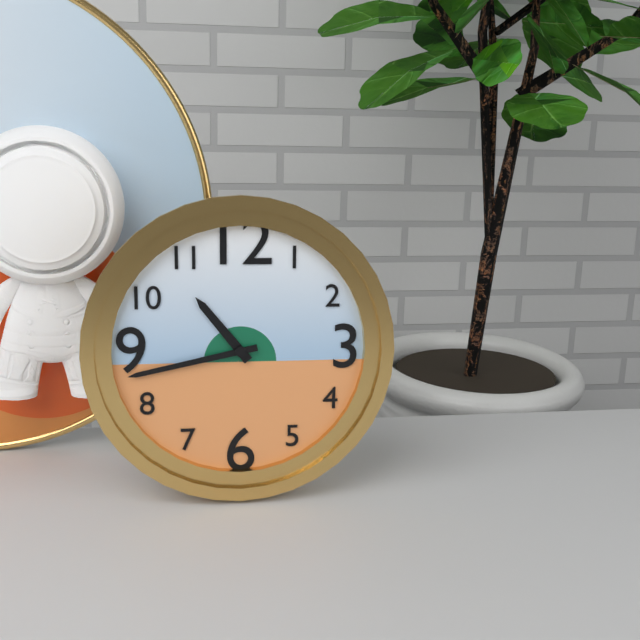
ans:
**10:43**
